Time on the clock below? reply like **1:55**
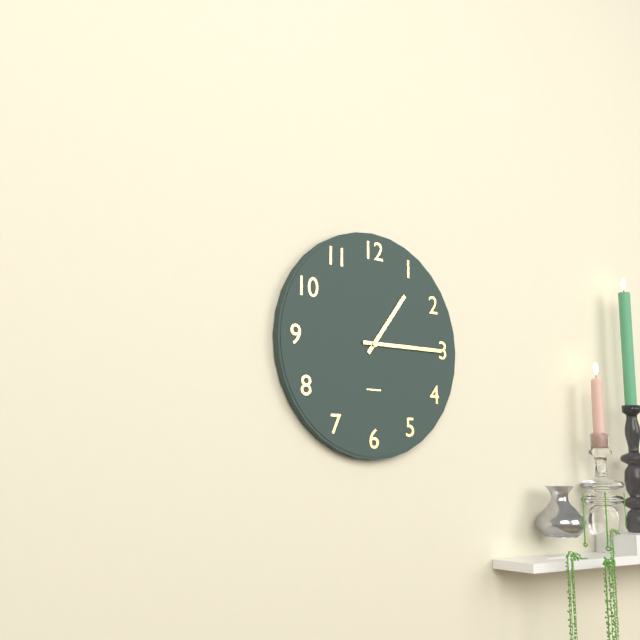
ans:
**1:15**
